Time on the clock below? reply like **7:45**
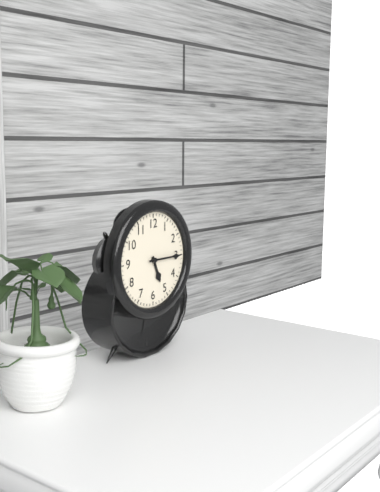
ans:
**5:15**
